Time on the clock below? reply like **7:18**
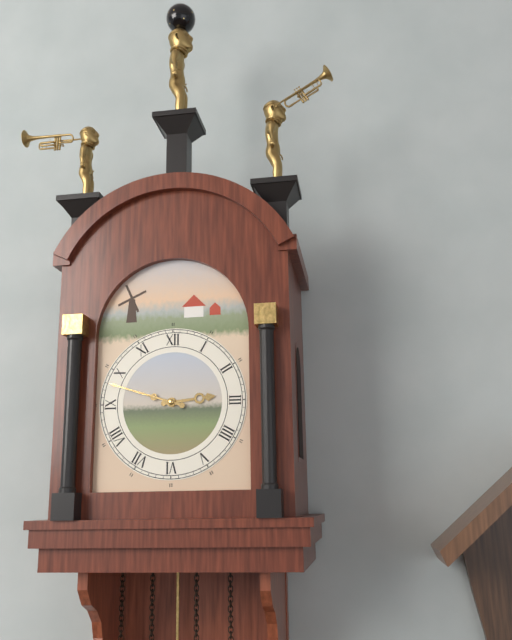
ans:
**2:48**
